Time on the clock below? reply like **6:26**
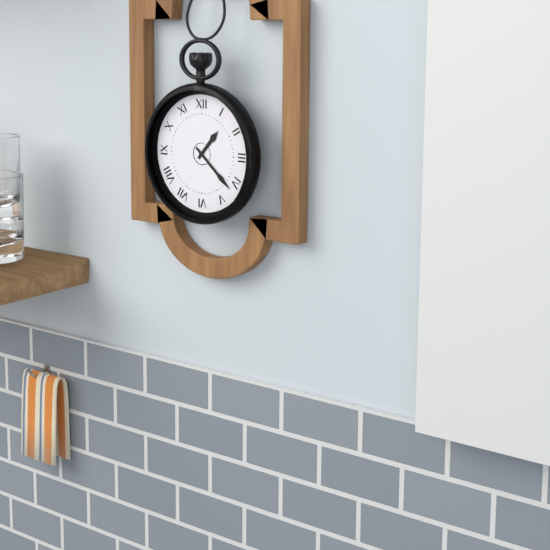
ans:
**1:22**
